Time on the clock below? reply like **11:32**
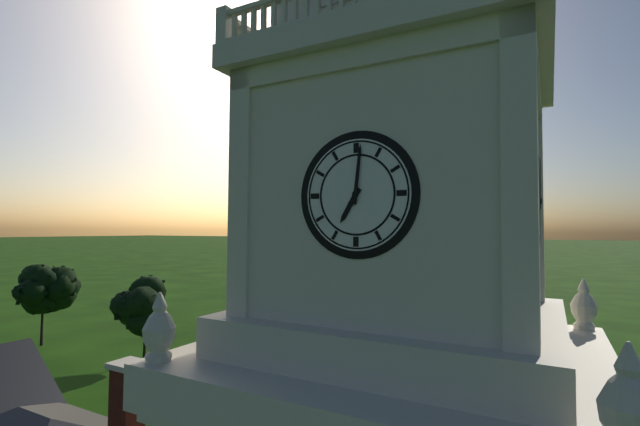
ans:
**7:01**
